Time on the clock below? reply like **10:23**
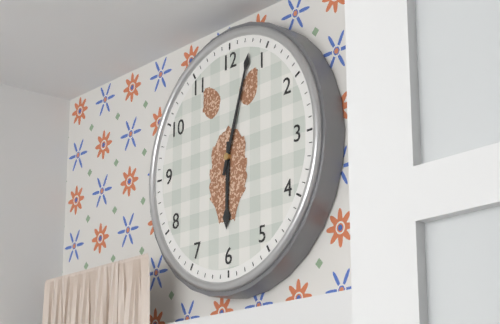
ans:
**6:03**
